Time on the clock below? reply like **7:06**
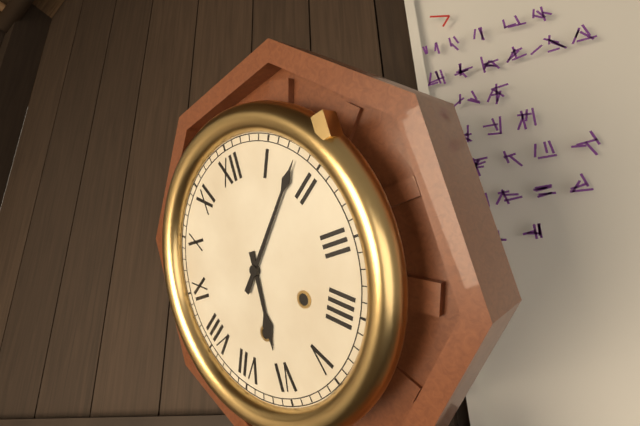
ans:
**6:08**
